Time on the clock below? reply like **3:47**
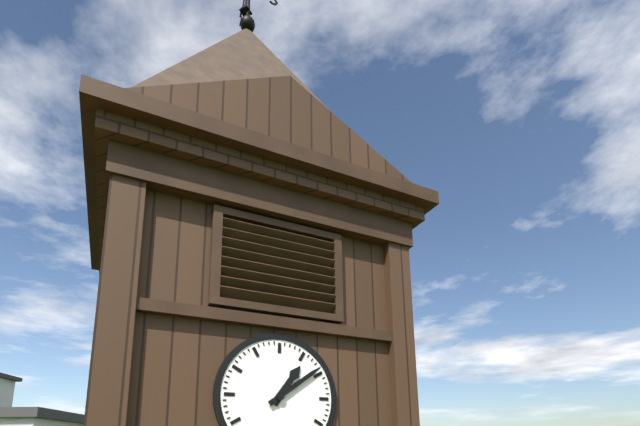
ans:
**1:09**
